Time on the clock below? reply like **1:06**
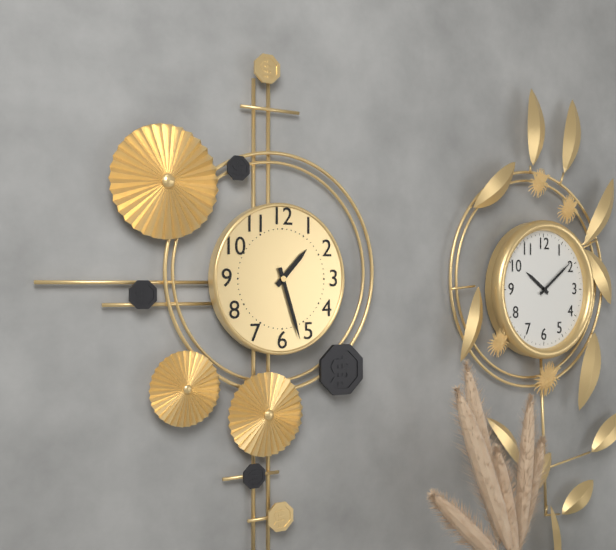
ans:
**1:27**
